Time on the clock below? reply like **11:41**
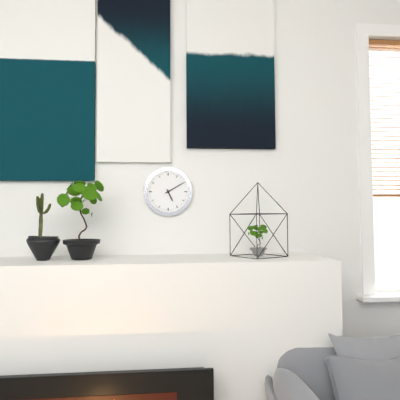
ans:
**5:10**
